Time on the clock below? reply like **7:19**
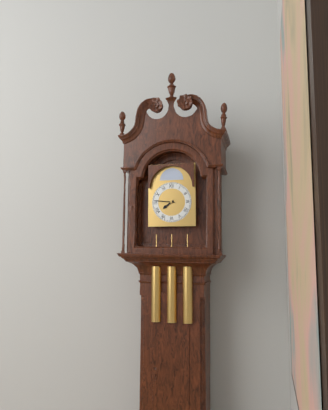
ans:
**7:46**
